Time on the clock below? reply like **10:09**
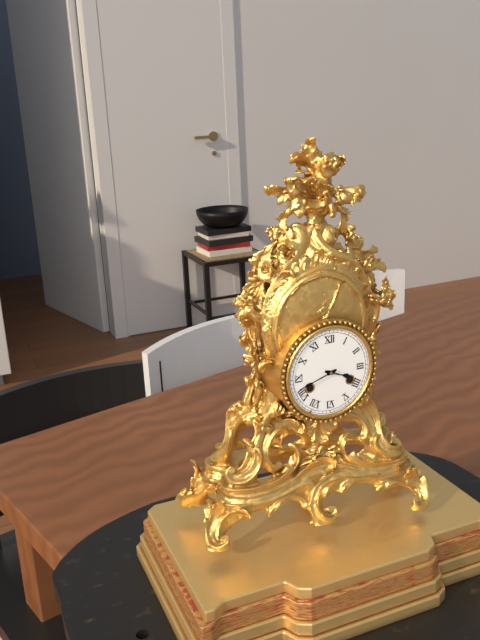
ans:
**3:42**
